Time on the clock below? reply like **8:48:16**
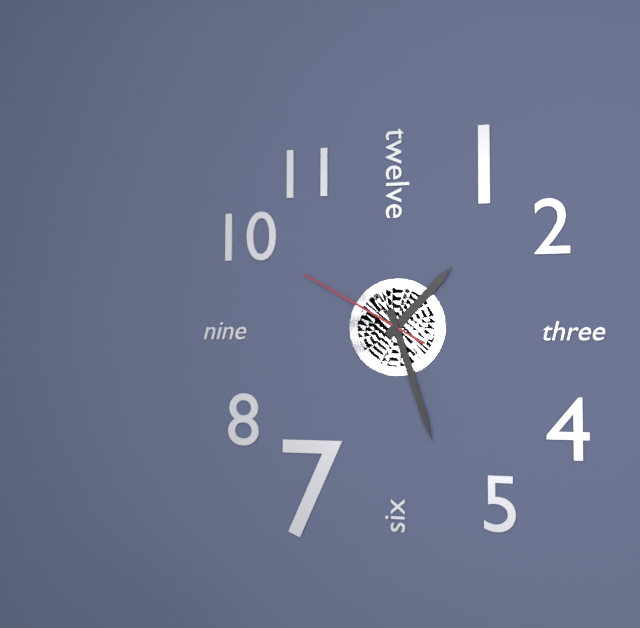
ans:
**1:27:50**
